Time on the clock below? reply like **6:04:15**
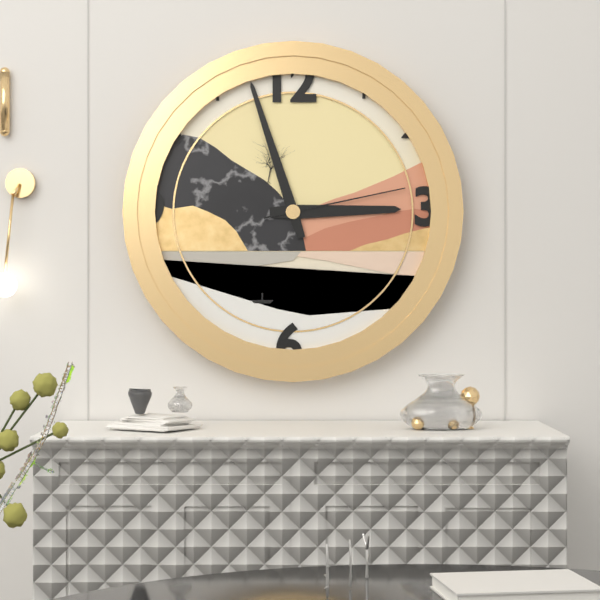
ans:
**2:57:13**
